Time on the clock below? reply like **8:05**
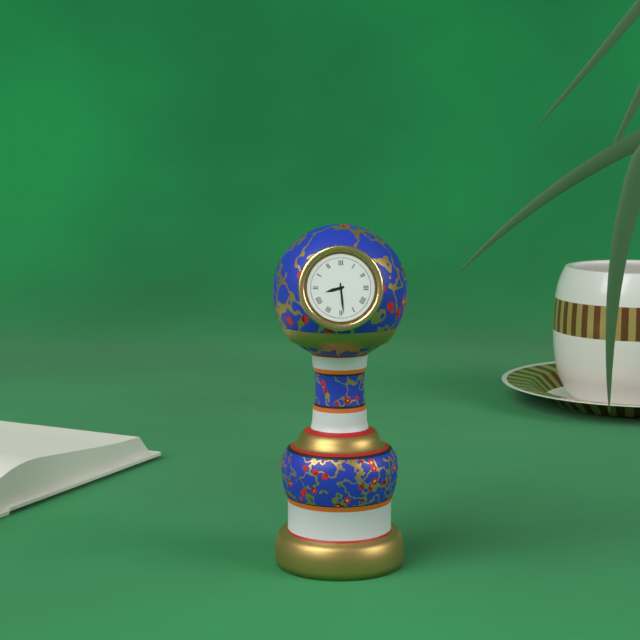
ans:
**8:29**
